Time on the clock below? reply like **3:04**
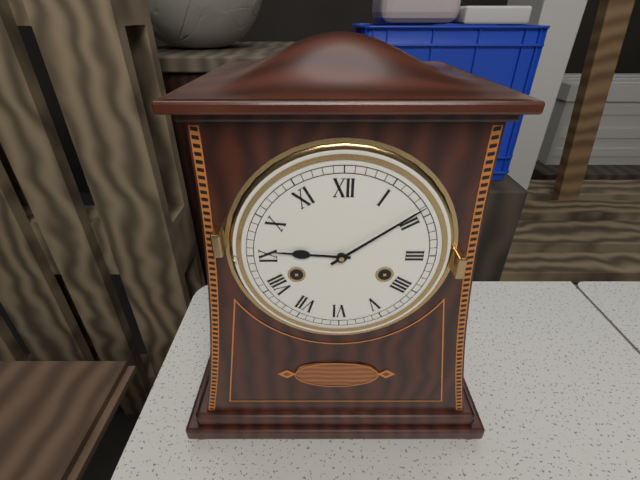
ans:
**9:09**
